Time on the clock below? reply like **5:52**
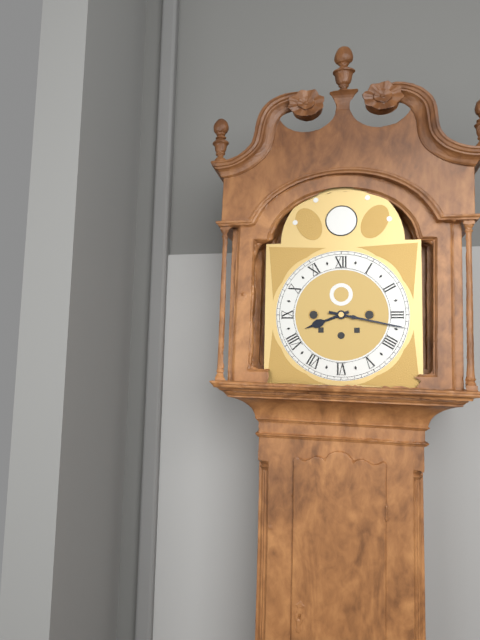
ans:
**8:17**
